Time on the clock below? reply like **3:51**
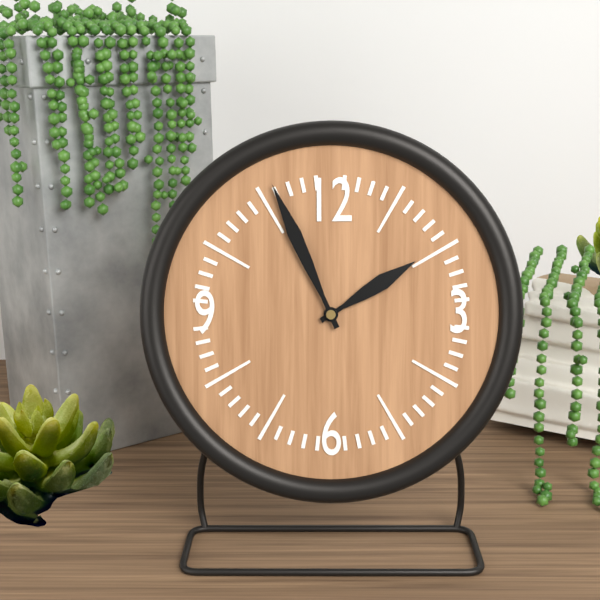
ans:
**1:56**
